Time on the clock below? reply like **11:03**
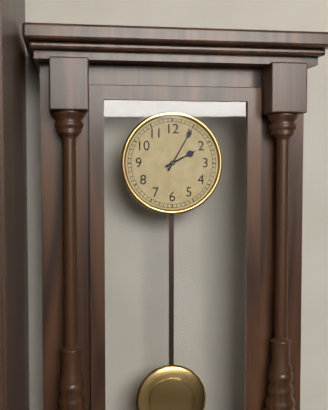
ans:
**2:05**
